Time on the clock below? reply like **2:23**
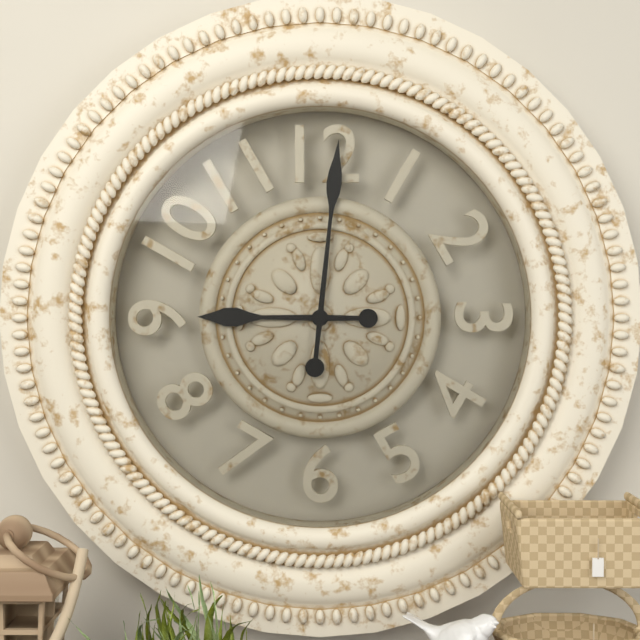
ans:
**9:01**
